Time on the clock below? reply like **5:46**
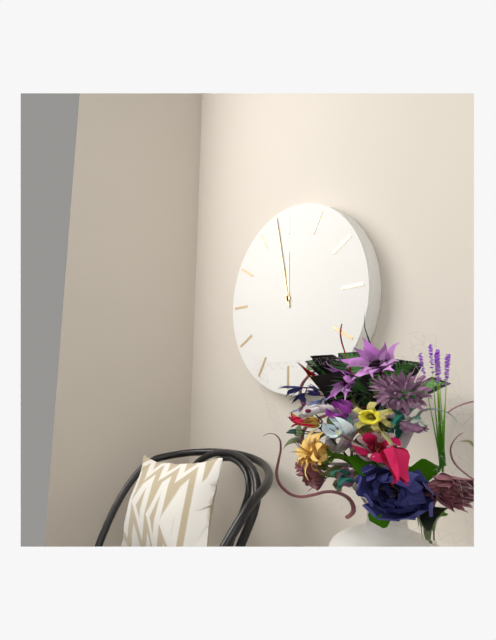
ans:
**11:58**
